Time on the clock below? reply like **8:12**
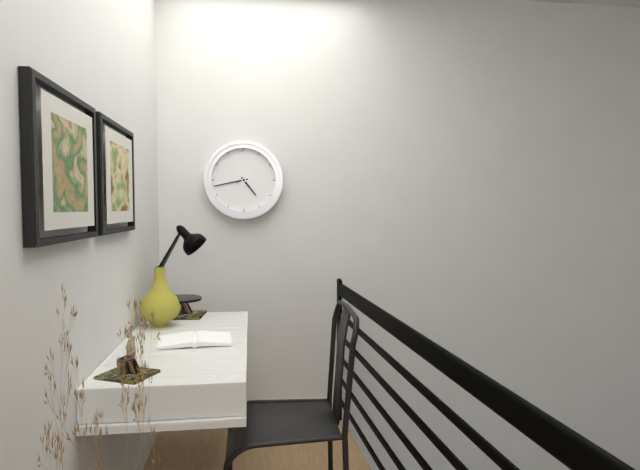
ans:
**4:43**
